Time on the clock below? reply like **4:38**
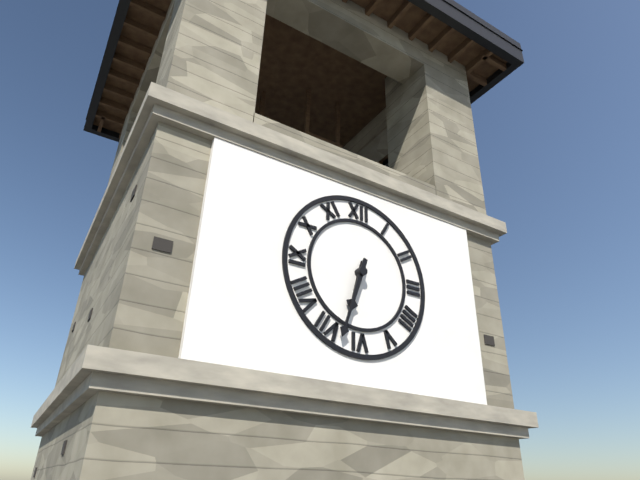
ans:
**6:33**
